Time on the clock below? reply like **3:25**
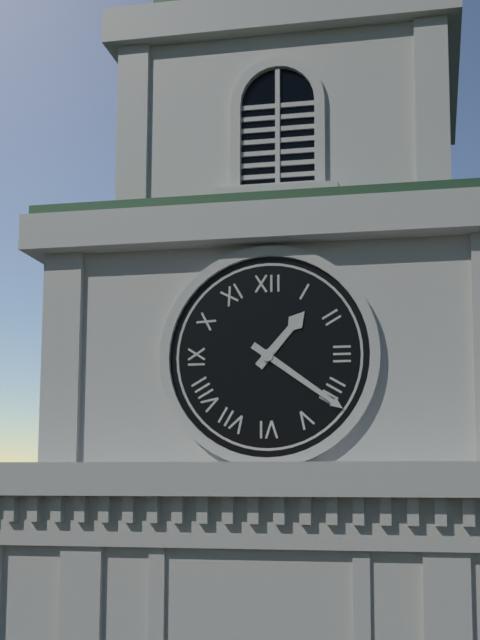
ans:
**1:21**
